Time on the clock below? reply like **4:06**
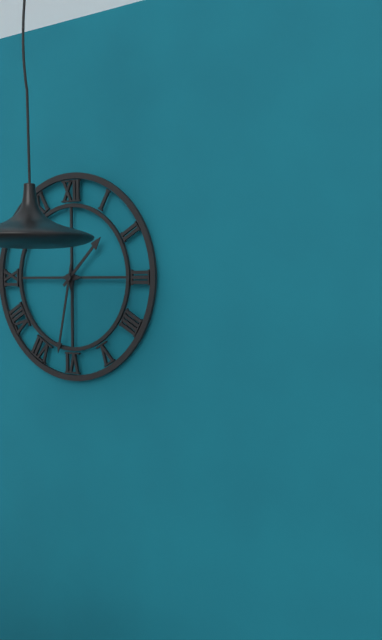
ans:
**1:32**
